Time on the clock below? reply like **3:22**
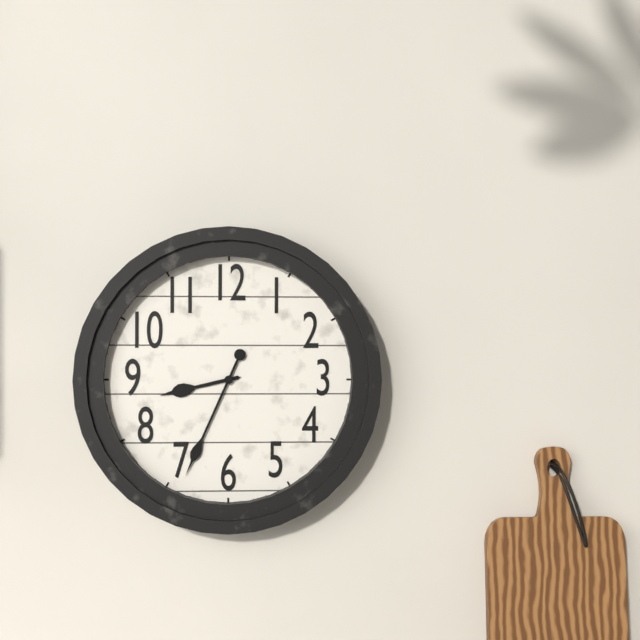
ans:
**8:34**
